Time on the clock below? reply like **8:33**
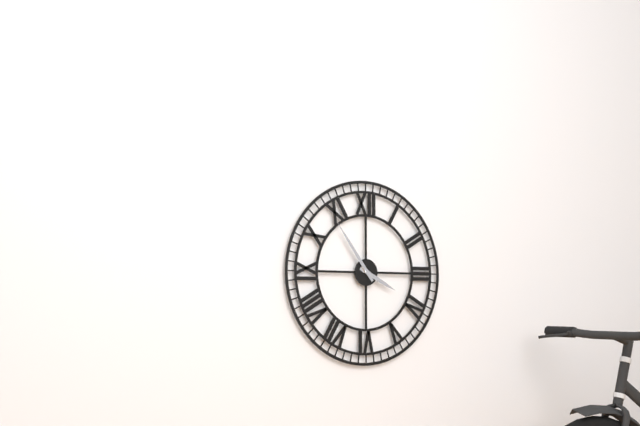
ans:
**3:54**
